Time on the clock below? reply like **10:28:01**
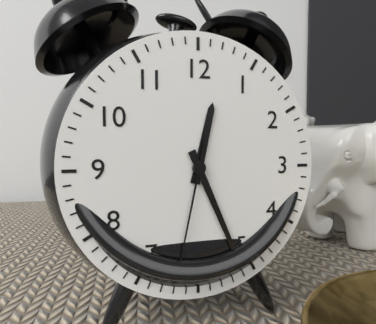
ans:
**12:26:32**
